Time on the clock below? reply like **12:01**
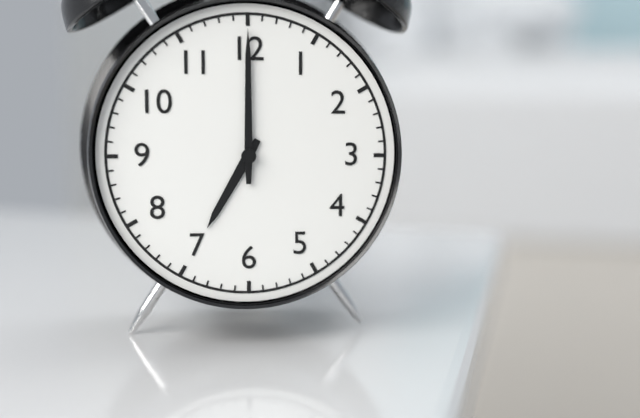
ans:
**7:00**
